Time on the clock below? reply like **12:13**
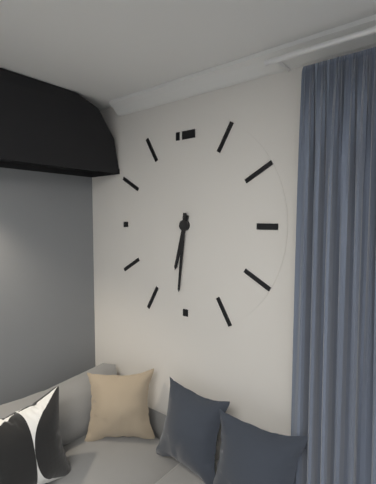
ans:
**6:31**
